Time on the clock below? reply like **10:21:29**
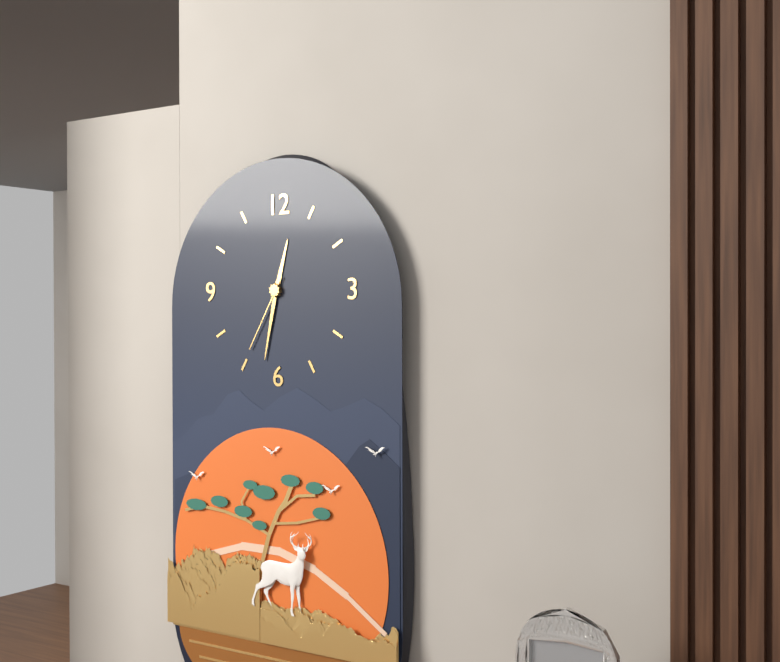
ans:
**12:32:35**
